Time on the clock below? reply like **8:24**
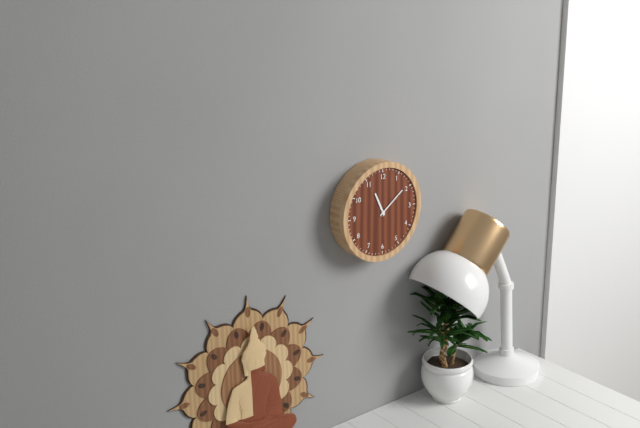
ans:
**11:09**
